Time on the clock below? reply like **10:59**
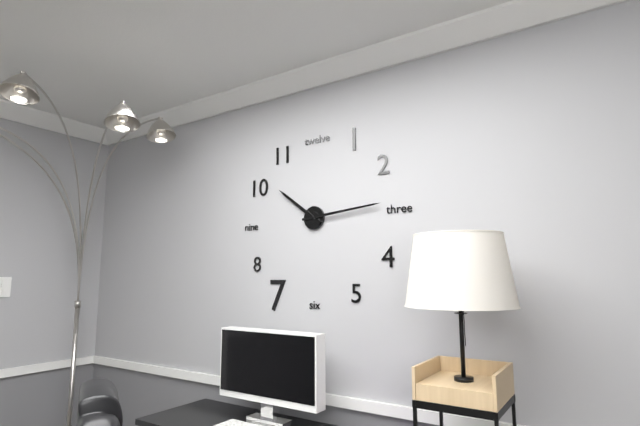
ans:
**10:14**
